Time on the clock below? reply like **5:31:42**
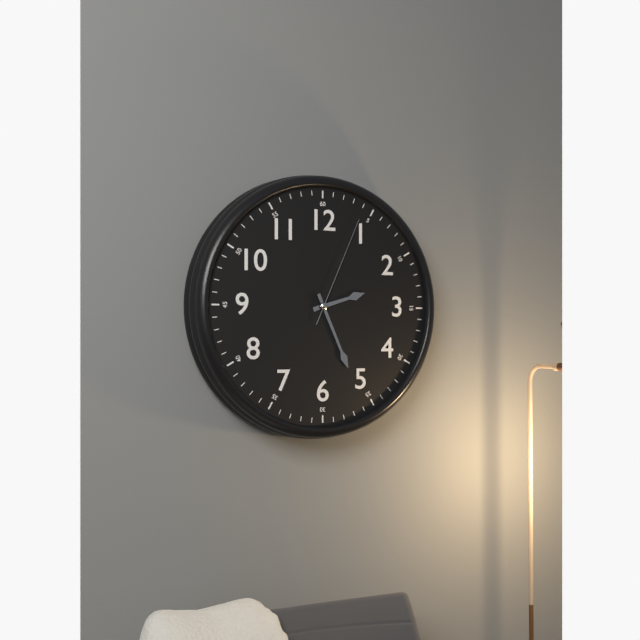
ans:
**2:26:04**
